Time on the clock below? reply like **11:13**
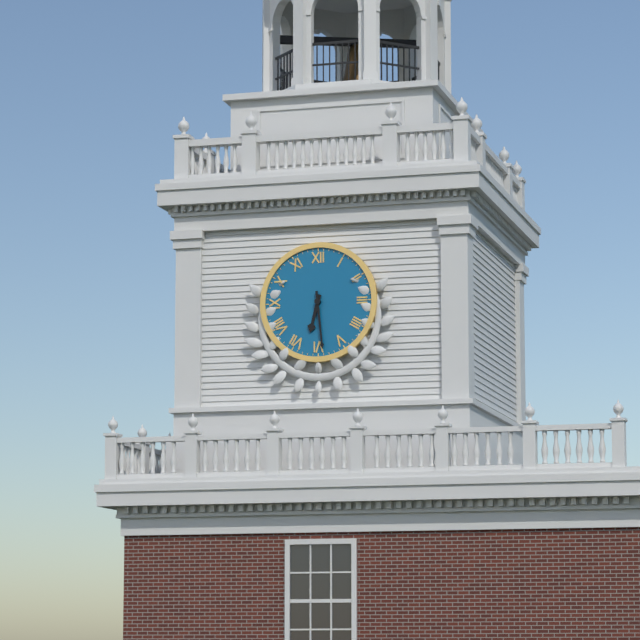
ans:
**6:29**
